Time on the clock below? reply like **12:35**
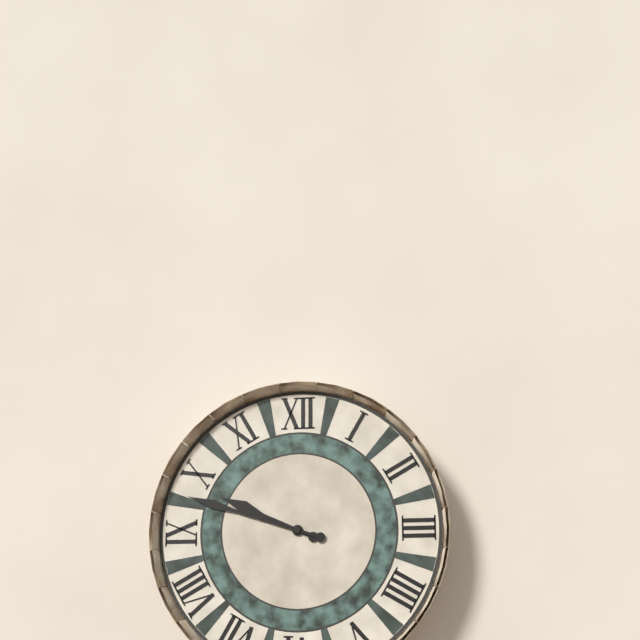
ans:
**9:48**
